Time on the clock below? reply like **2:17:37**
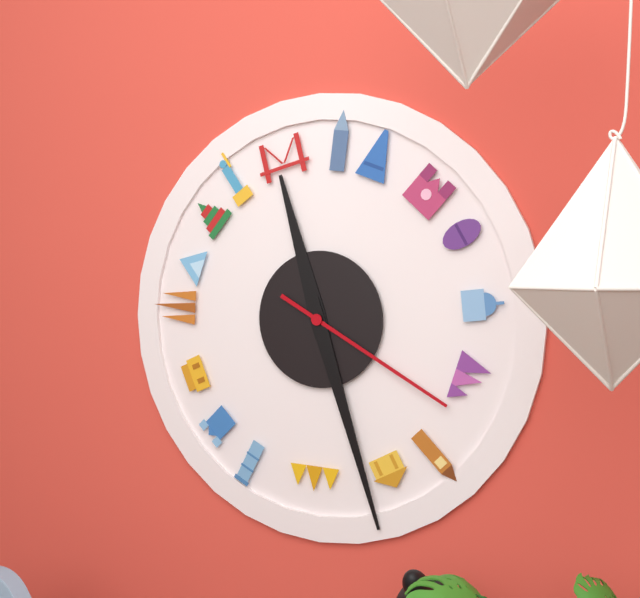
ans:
**11:27:20**
